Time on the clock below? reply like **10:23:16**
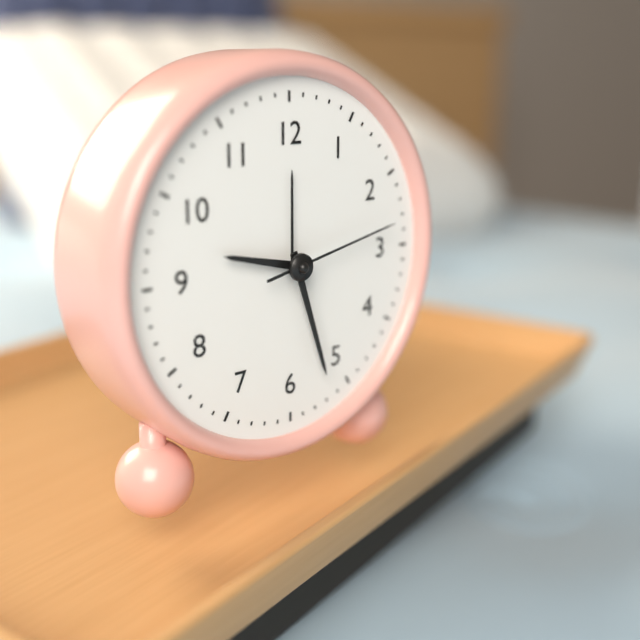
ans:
**9:27:13**
